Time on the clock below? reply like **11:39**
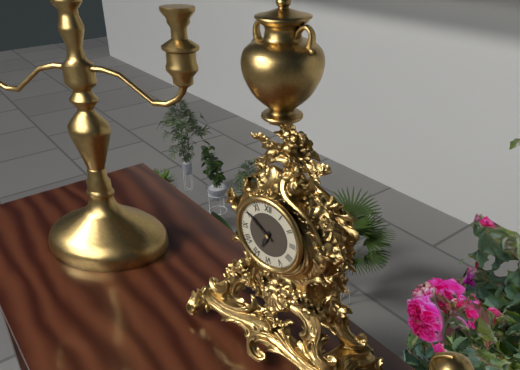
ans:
**6:51**
